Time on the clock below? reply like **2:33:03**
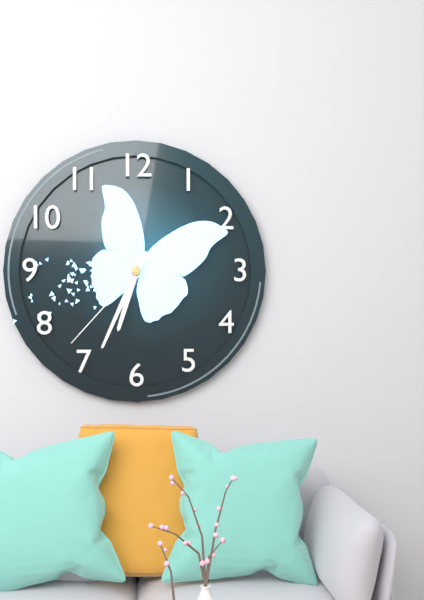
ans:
**6:34:37**
